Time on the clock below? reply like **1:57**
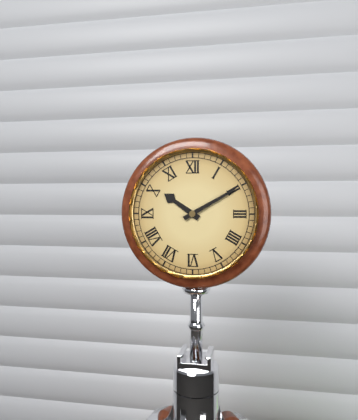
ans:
**10:10**
